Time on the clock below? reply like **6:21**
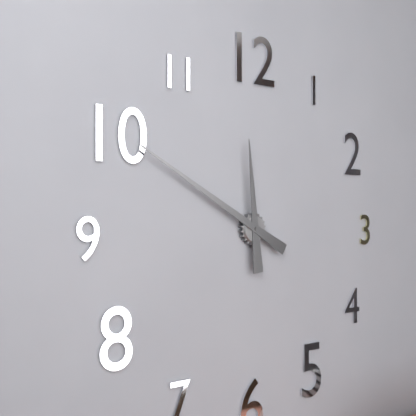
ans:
**11:50**
